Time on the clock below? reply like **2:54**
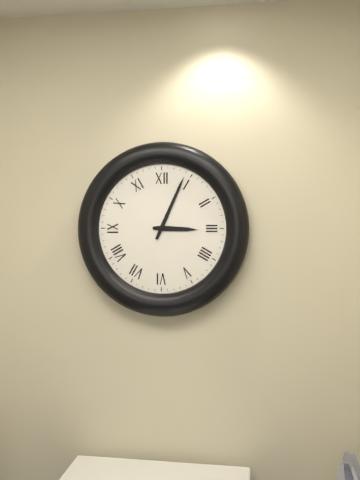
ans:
**3:04**
